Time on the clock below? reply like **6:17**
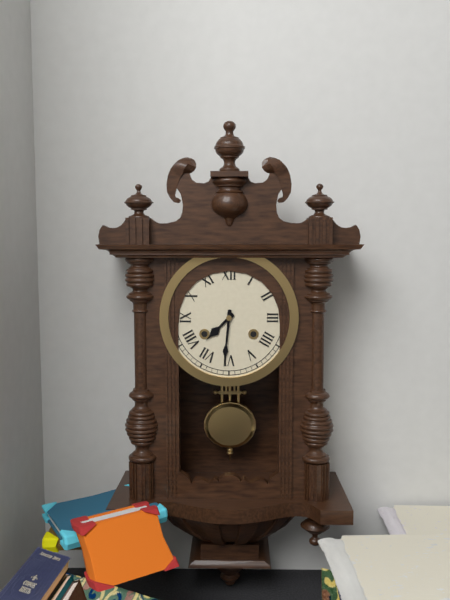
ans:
**7:31**
